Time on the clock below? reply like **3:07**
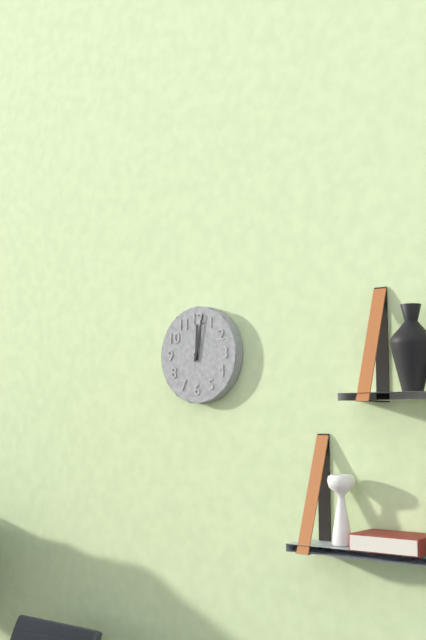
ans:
**12:02**
